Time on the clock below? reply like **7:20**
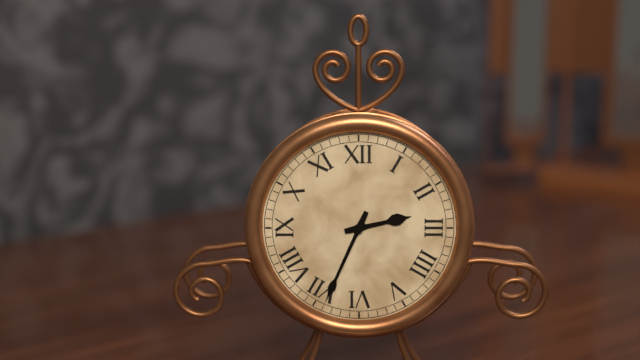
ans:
**2:34**
